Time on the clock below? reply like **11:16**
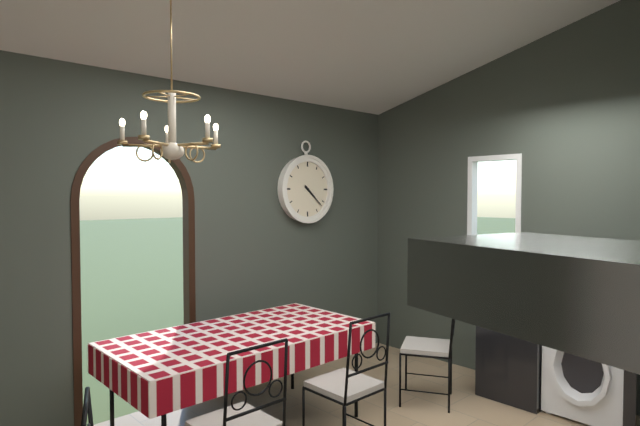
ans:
**4:22**
